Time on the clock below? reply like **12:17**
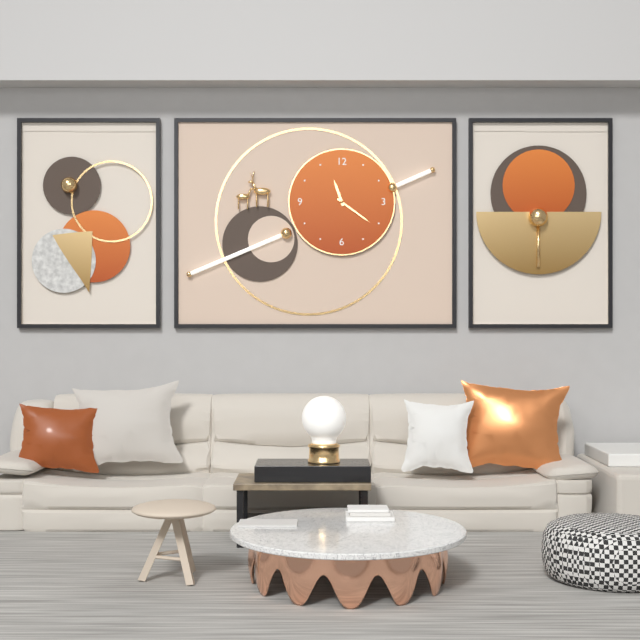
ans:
**11:21**
